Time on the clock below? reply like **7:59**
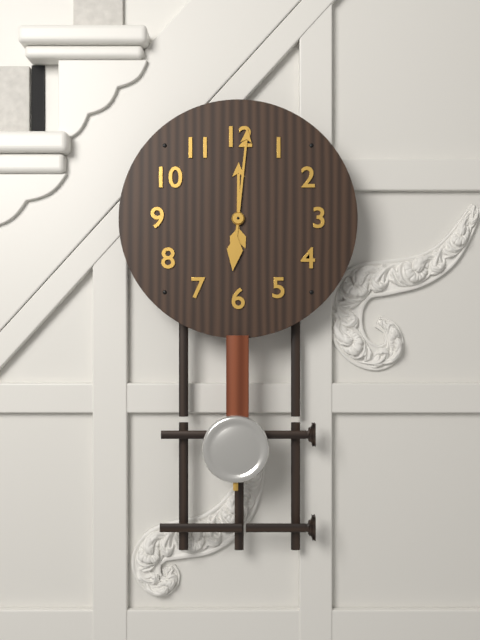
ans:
**12:01**
